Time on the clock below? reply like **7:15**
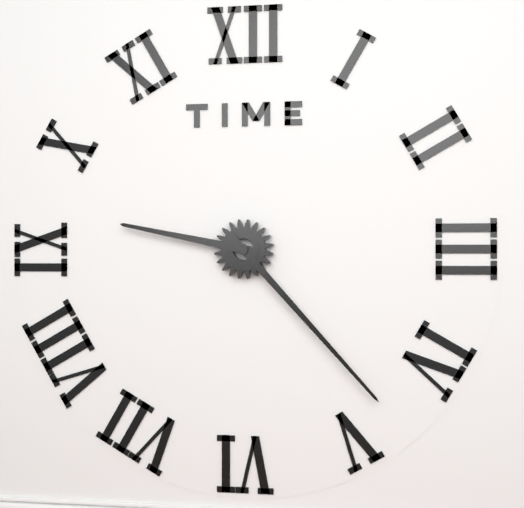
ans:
**9:23**
